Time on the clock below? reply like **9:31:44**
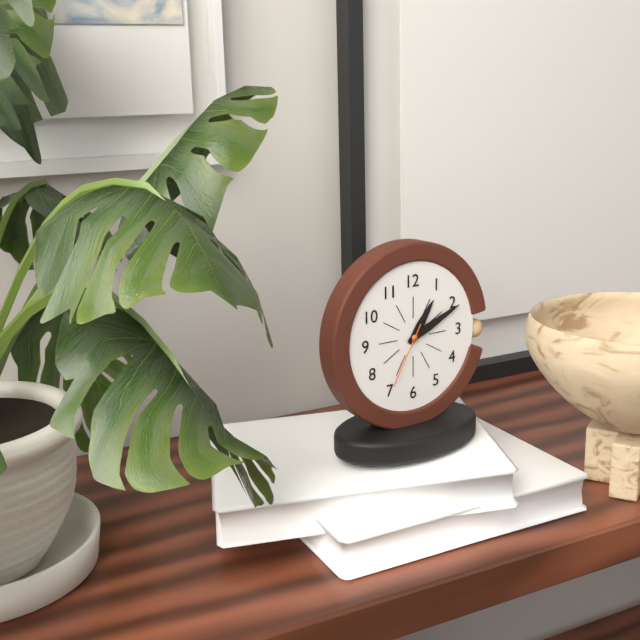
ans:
**1:11:35**
